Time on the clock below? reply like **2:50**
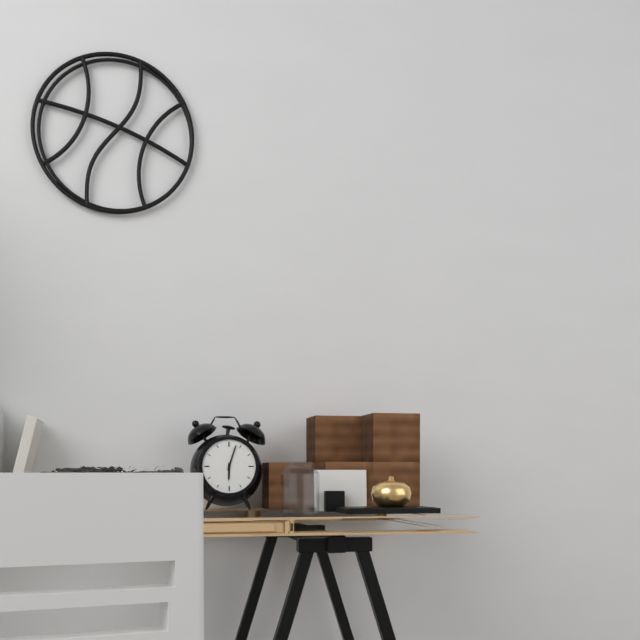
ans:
**6:03**
